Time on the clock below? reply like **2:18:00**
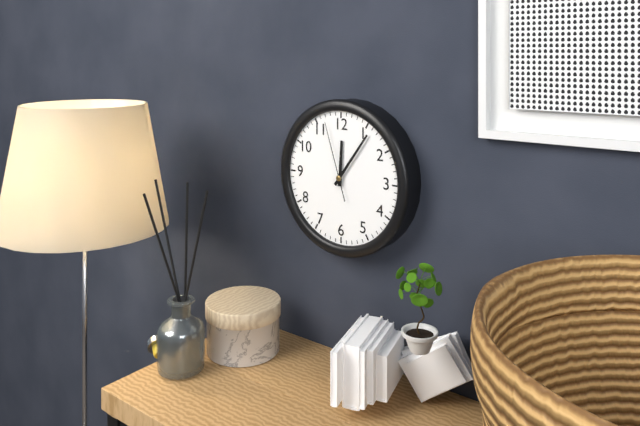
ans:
**12:06:57**
